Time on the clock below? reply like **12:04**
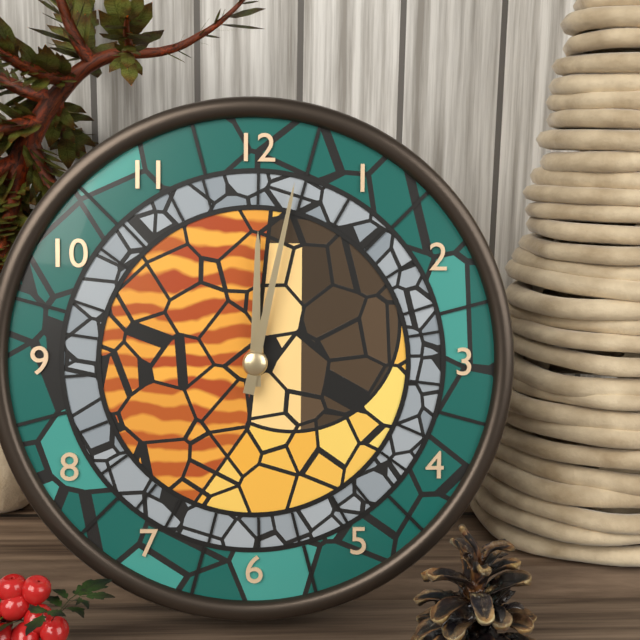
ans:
**12:02**
